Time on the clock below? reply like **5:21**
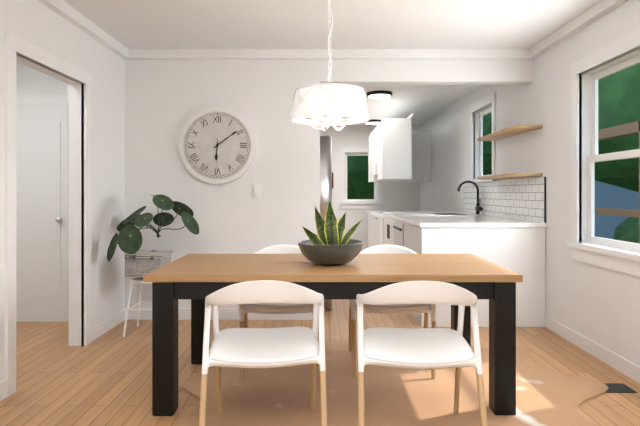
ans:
**6:09**
